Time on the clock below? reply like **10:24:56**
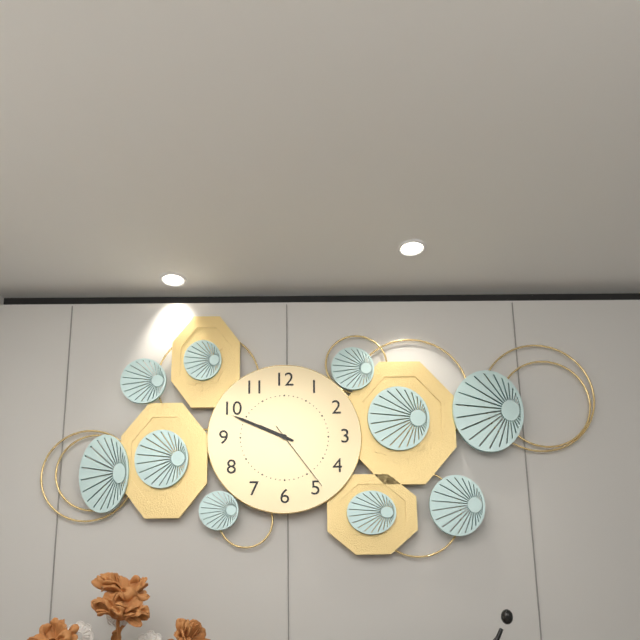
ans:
**9:49:24**
